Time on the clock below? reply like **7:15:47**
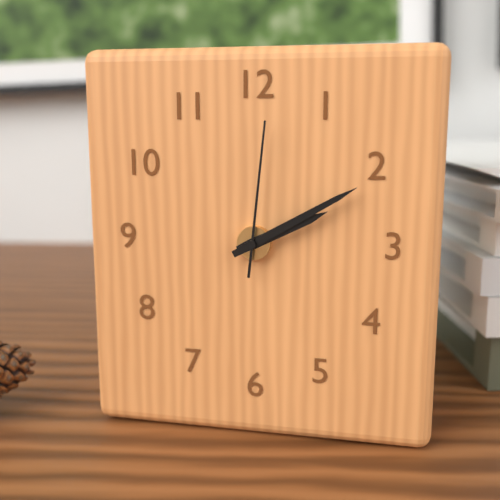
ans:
**2:10:01**
